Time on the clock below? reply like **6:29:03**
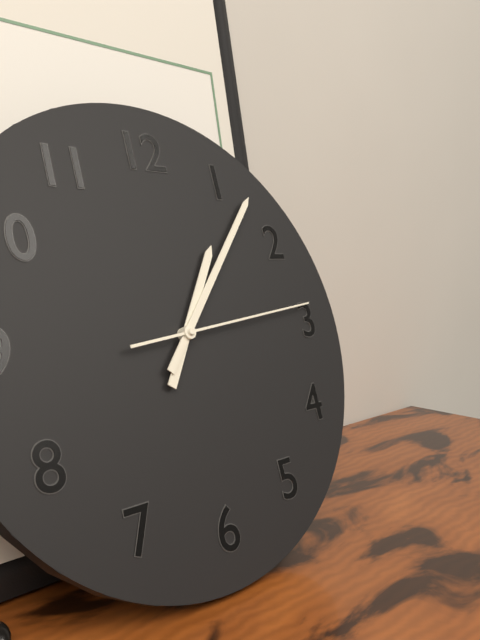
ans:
**1:07:14**
